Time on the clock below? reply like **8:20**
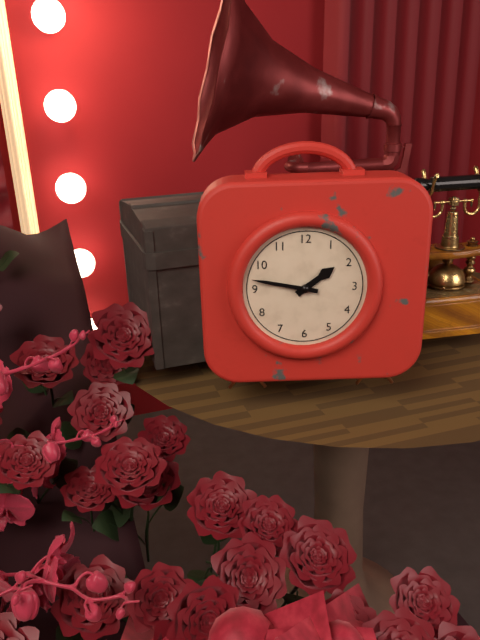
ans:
**1:47**
